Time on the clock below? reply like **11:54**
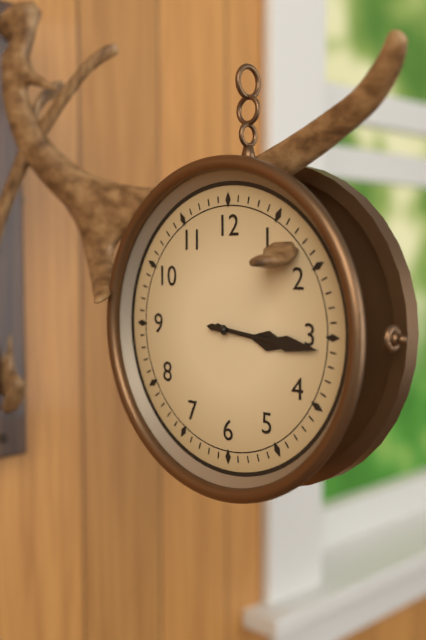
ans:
**3:16**
